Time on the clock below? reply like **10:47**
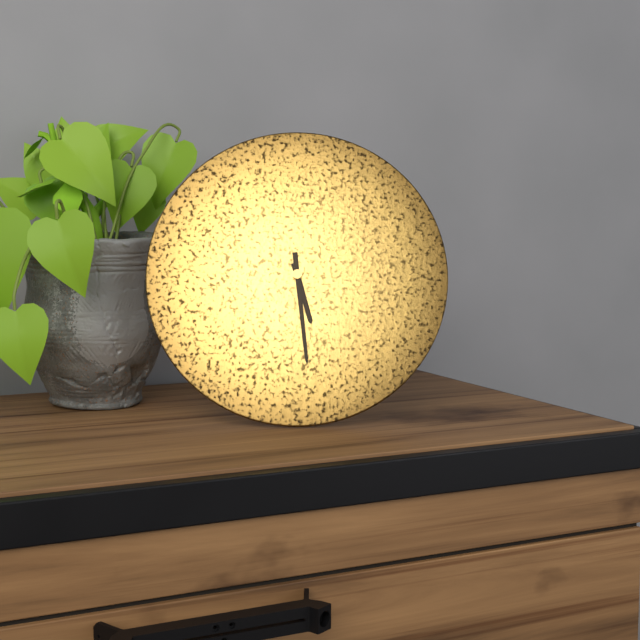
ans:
**5:29**
